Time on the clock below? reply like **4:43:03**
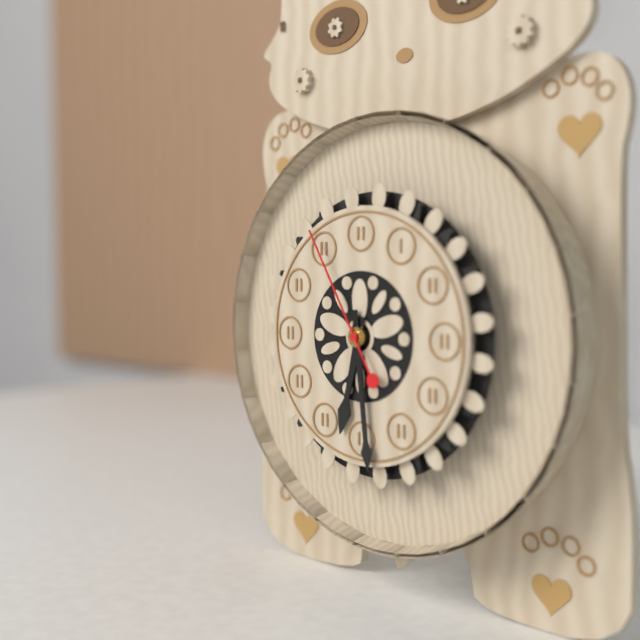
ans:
**6:29:55**
